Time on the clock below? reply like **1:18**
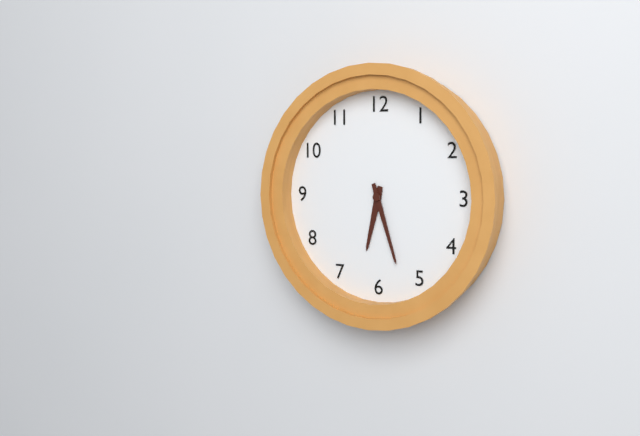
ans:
**6:27**
